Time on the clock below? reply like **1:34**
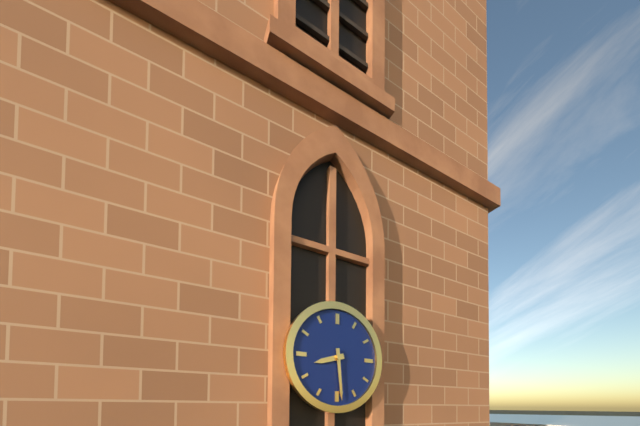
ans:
**8:29**
